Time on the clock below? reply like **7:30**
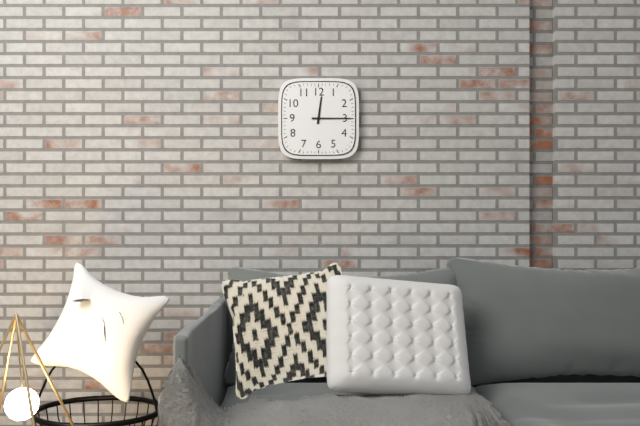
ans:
**12:15**
